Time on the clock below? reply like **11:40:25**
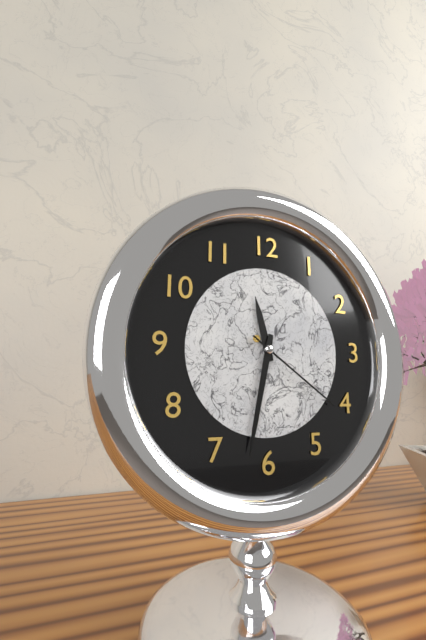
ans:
**11:32:21**
